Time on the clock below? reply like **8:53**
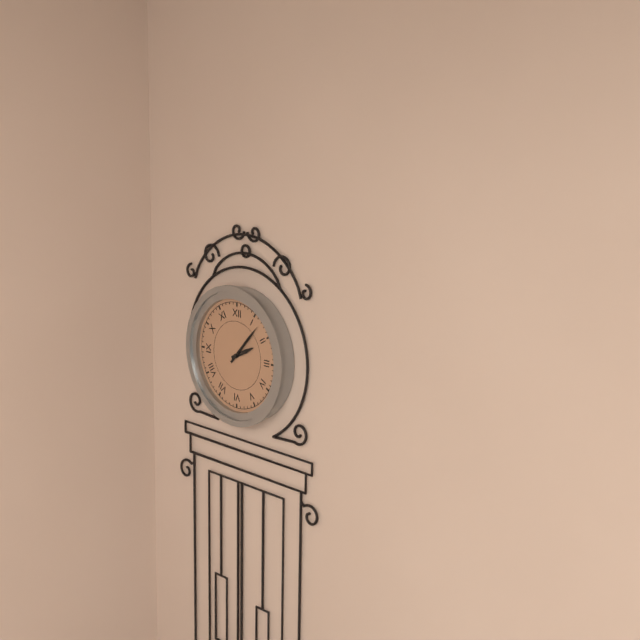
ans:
**2:07**
